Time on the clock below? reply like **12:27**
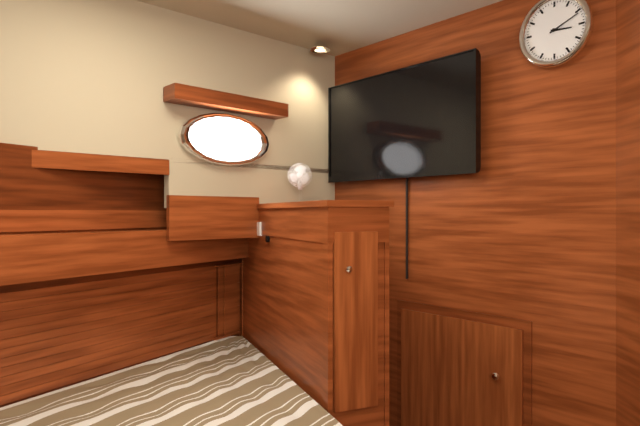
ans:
**3:11**
